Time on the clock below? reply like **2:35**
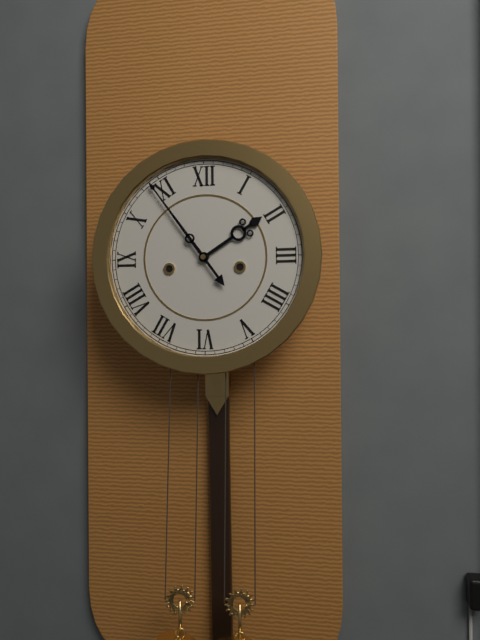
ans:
**1:54**
